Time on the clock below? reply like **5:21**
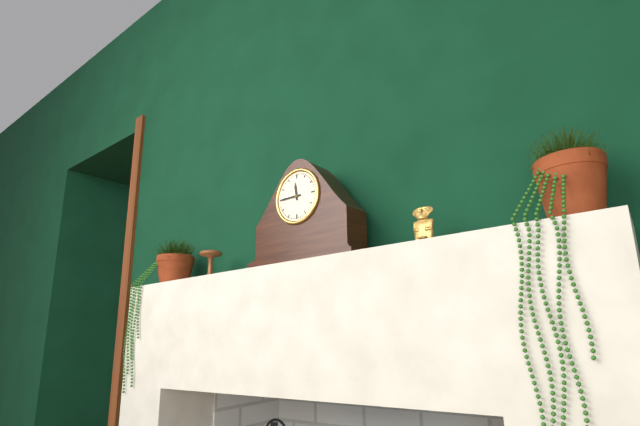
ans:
**11:45**
